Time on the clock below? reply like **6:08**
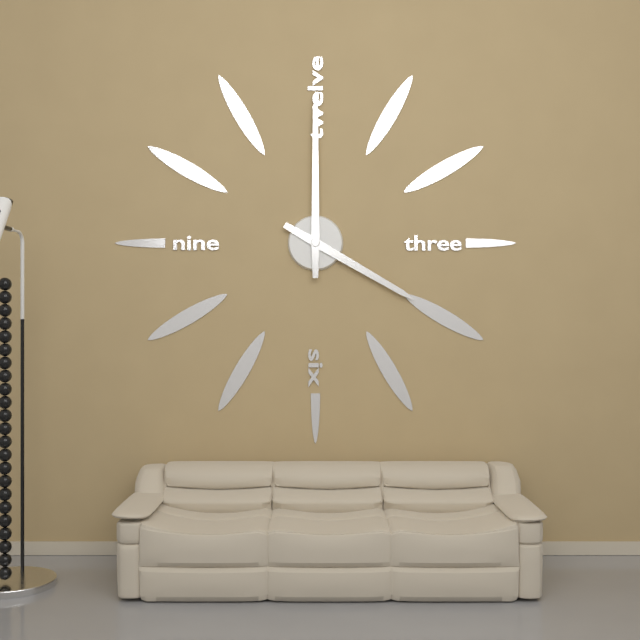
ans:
**4:00**
